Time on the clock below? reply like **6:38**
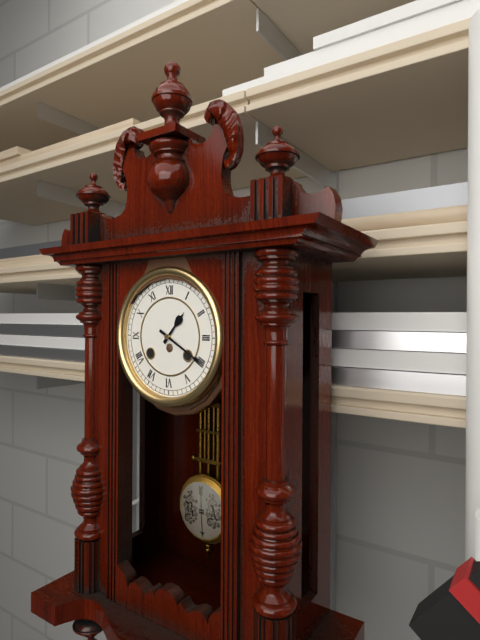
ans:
**1:20**
